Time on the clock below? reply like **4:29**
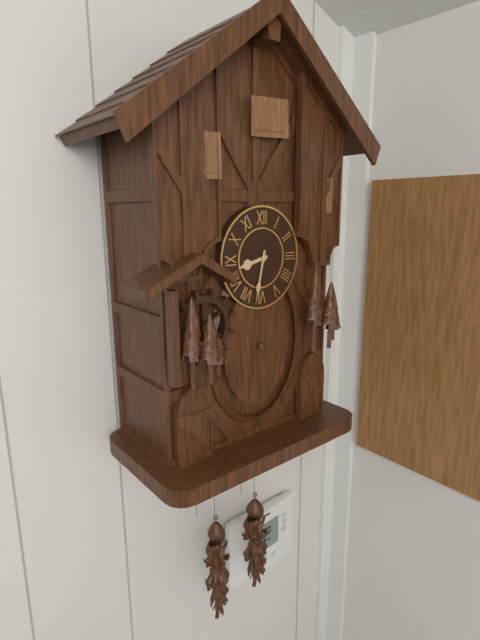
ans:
**8:32**
